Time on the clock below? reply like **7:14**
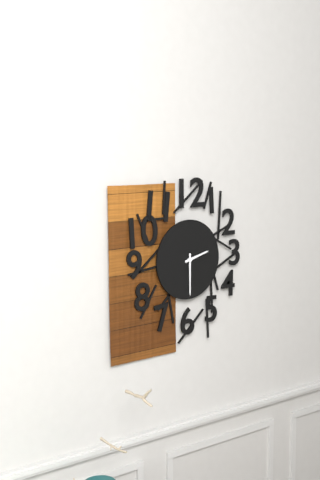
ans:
**2:30**
